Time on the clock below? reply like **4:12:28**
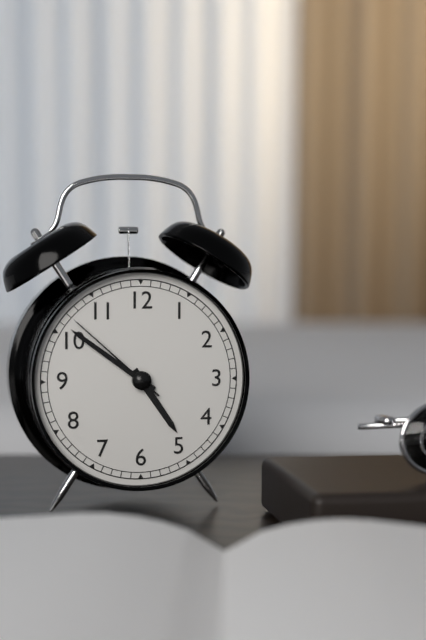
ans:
**4:51:52**
